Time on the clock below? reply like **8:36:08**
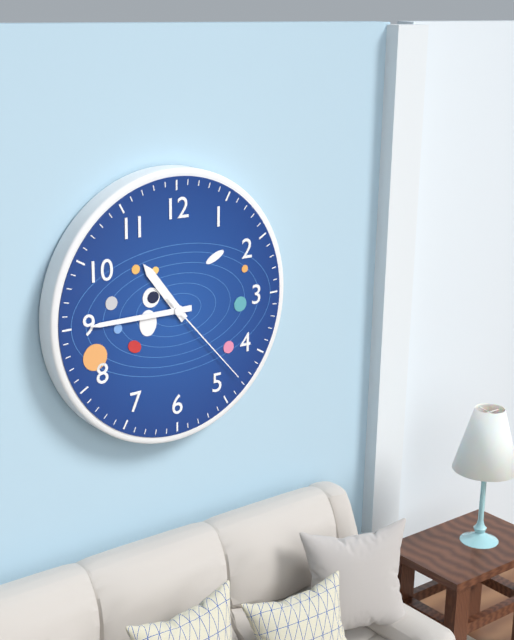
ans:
**10:45:23**
